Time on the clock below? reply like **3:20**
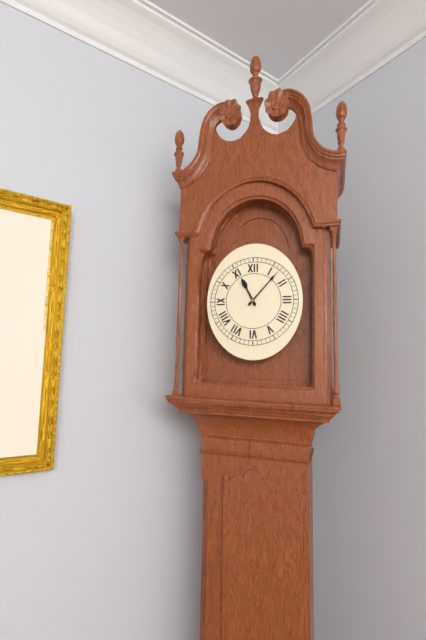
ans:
**11:07**
